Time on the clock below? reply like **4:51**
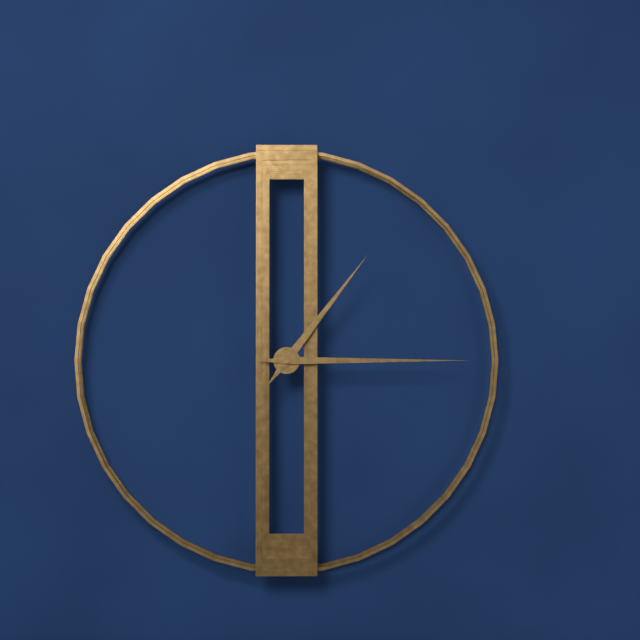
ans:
**1:15**
